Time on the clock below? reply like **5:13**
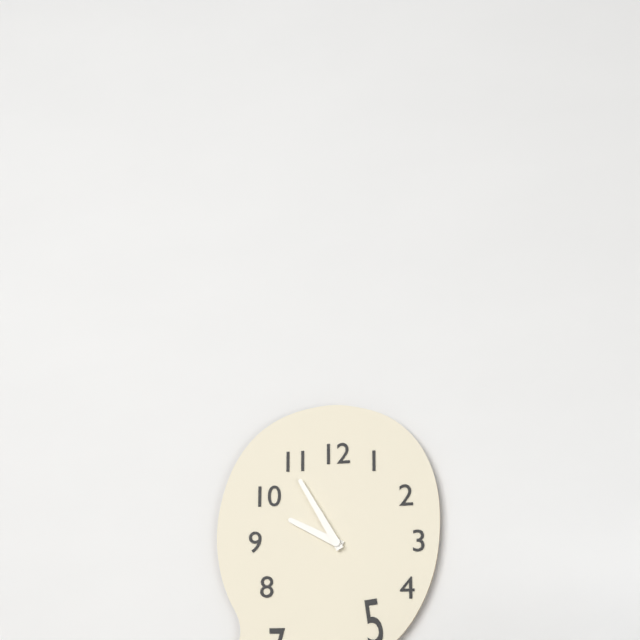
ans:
**9:55**
